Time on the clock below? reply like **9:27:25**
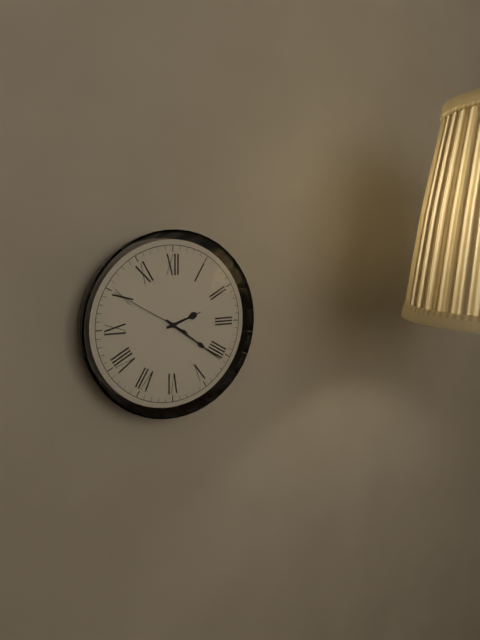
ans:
**2:21:50**
